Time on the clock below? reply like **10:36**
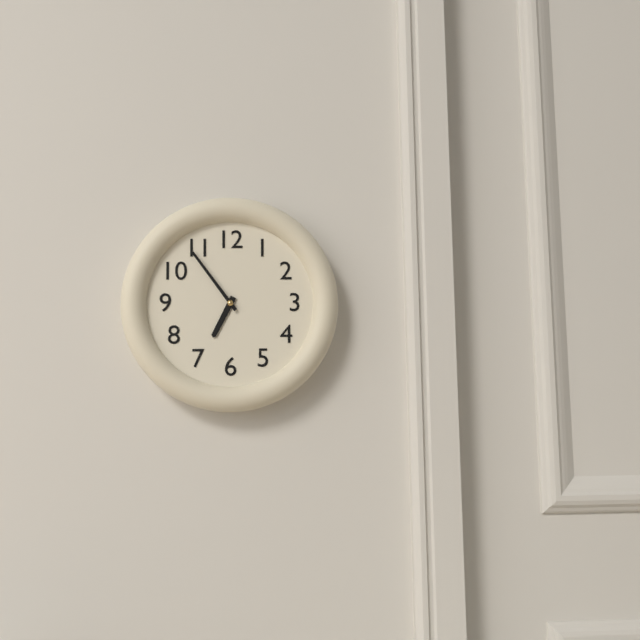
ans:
**6:54**
